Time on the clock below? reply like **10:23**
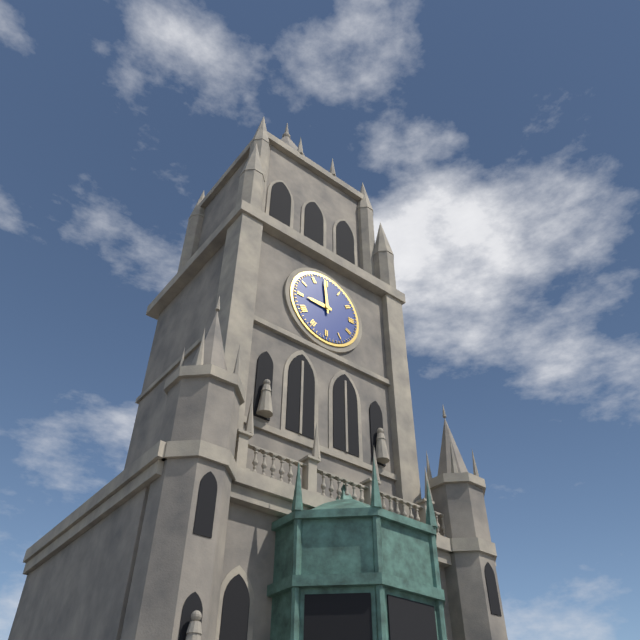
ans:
**8:59**
